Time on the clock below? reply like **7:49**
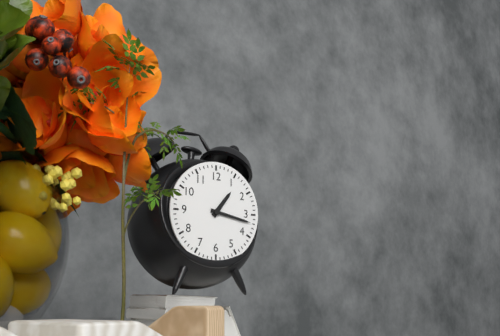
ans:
**1:17**
